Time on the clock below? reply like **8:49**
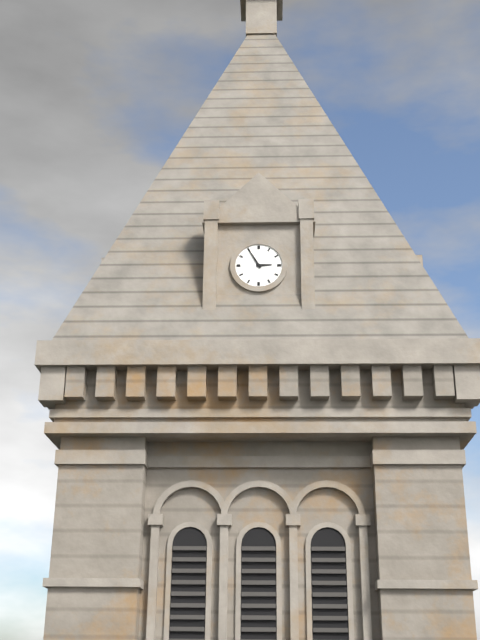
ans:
**2:55**
